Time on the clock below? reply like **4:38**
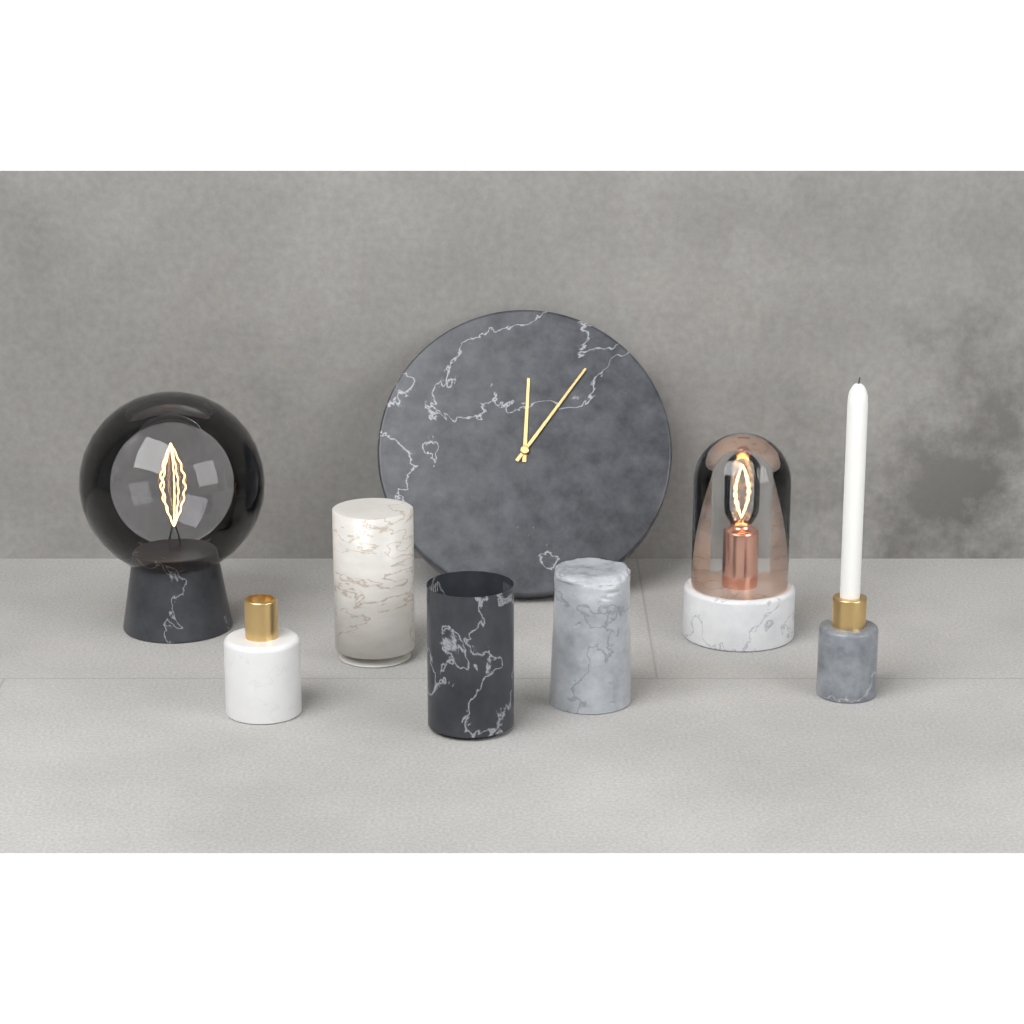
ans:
**12:06**
